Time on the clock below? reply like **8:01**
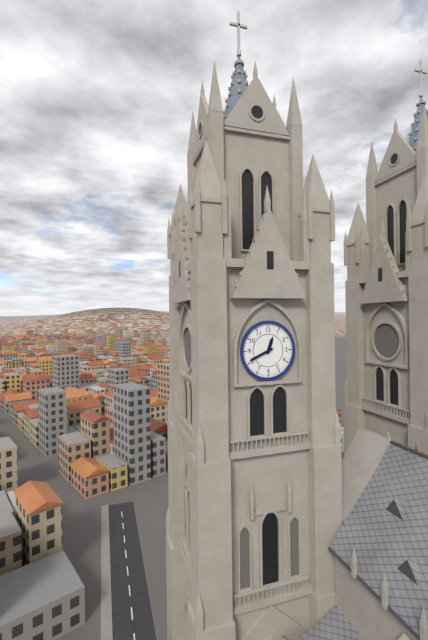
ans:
**12:41**
